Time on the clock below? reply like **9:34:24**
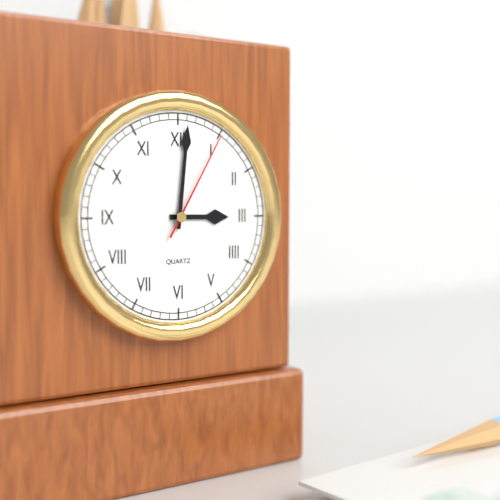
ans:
**3:01:05**
